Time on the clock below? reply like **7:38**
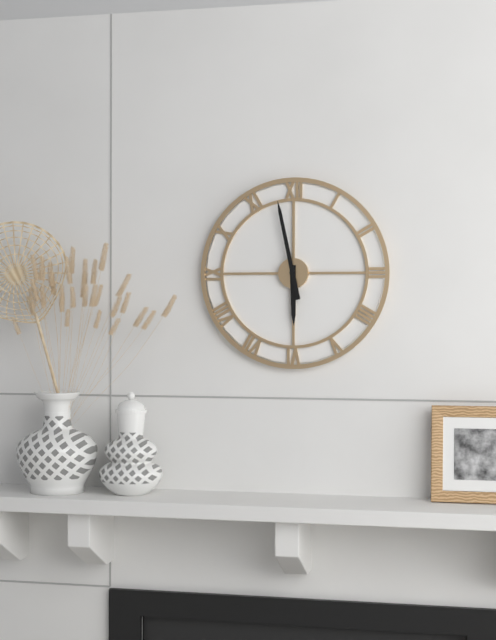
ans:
**5:58**
